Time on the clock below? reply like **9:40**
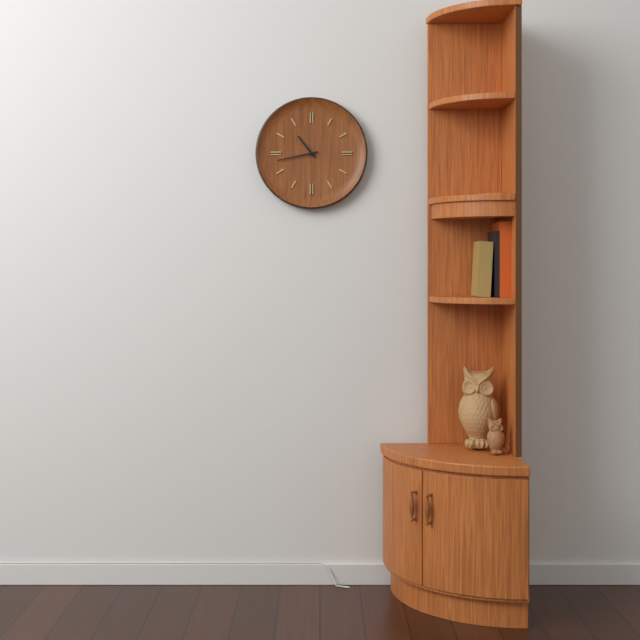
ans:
**10:43**
